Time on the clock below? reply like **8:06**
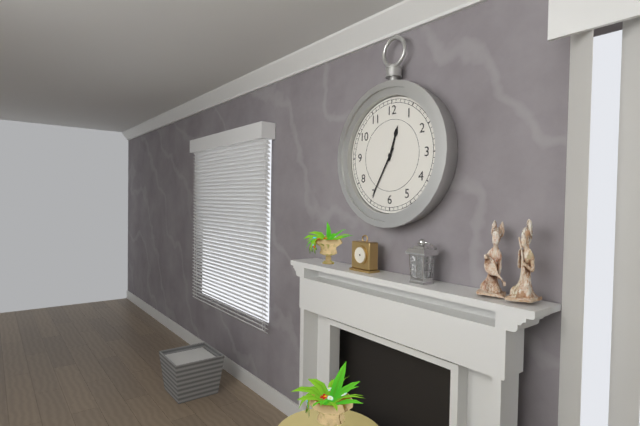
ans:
**12:35**
